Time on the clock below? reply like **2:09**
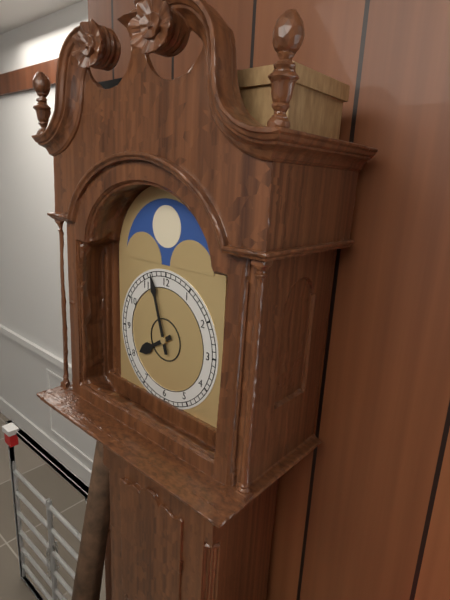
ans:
**7:57**
